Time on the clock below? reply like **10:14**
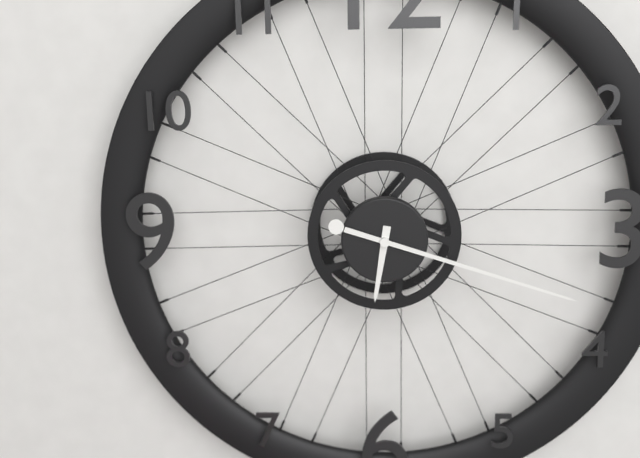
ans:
**6:18**
